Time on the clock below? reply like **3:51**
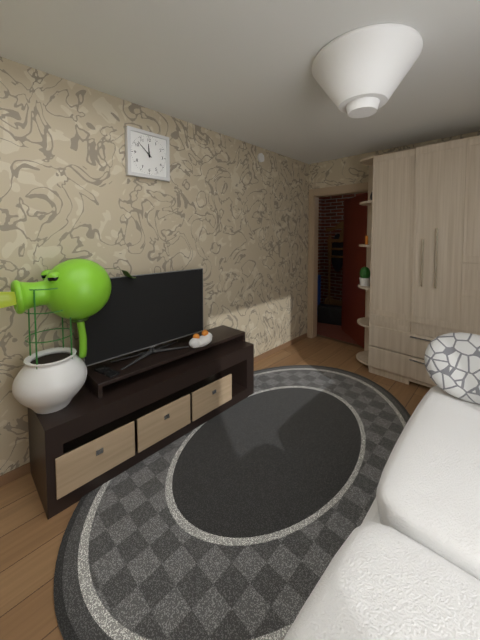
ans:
**11:52**
